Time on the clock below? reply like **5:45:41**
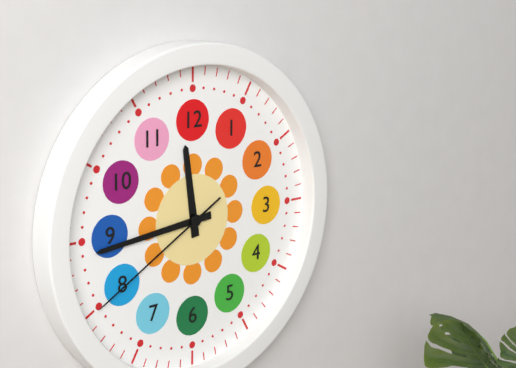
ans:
**11:44:40**
